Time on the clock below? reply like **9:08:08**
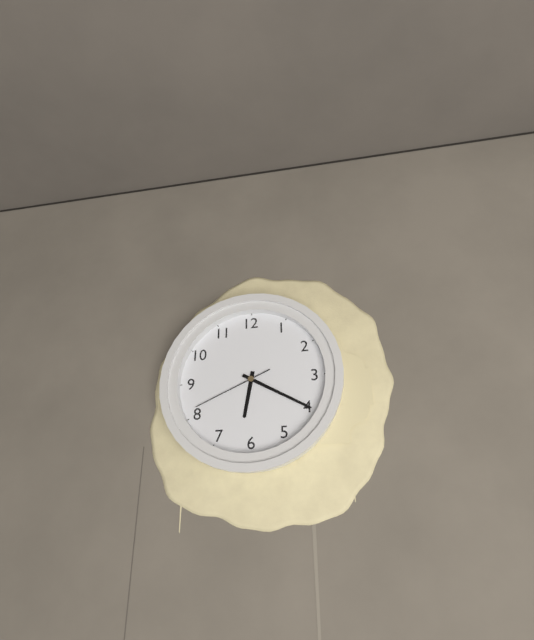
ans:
**6:20:41**
